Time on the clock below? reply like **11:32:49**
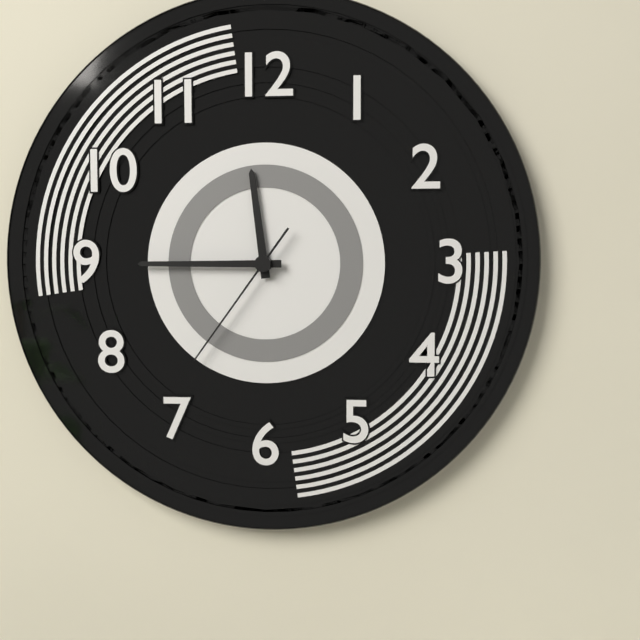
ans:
**11:45:36**
